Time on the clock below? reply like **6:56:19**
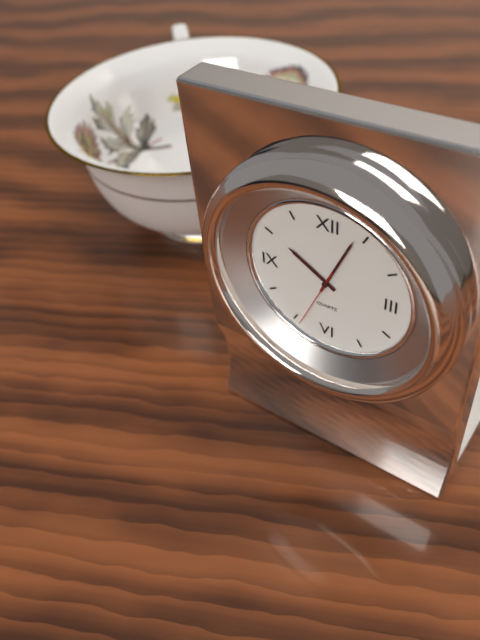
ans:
**10:04:34**
